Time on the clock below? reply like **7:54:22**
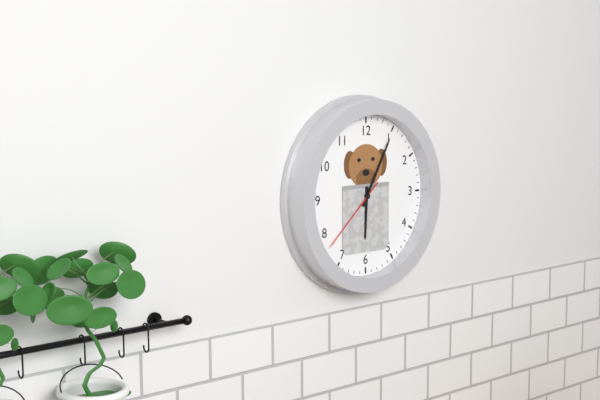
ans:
**6:05:38**
